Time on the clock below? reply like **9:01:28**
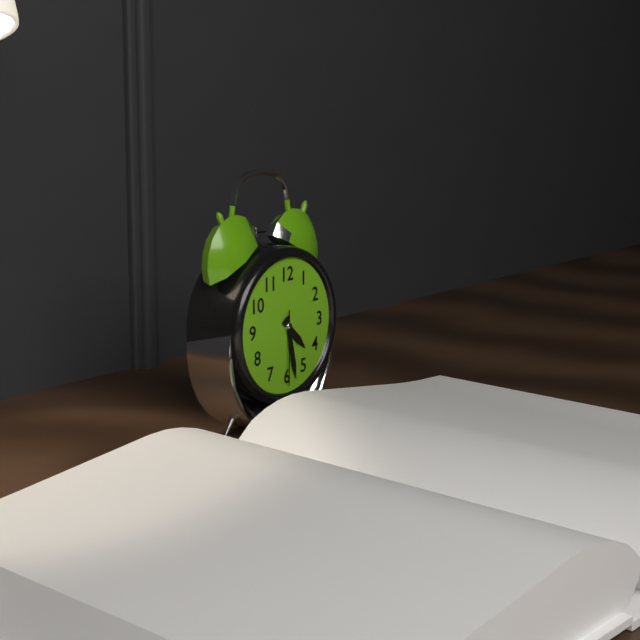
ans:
**4:28:30**
